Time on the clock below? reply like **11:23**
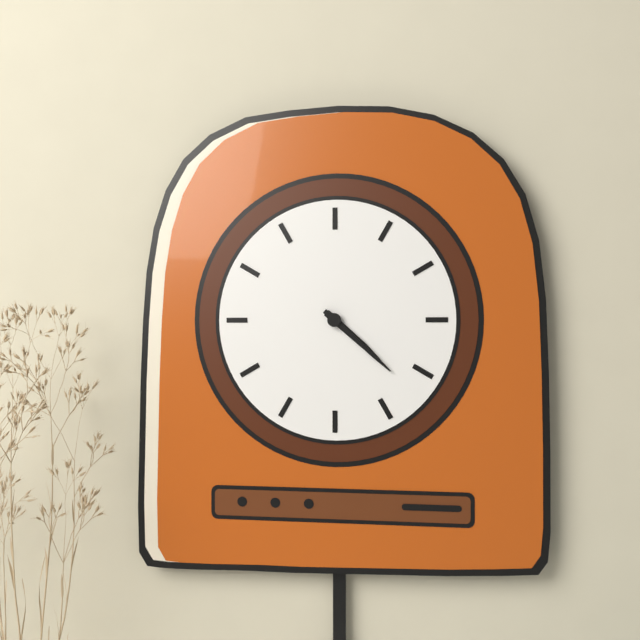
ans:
**4:22**
